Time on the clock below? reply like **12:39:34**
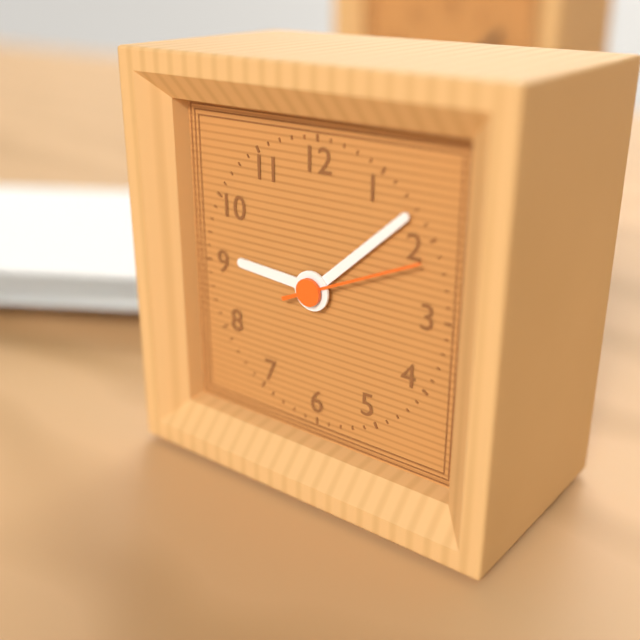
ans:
**9:08:11**
